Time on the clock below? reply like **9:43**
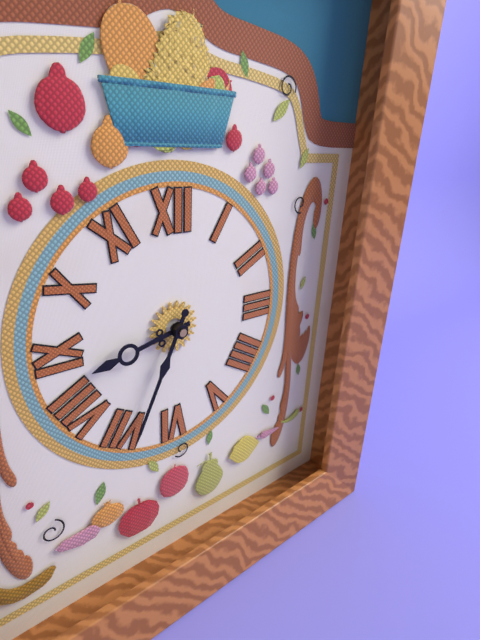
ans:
**8:34**
